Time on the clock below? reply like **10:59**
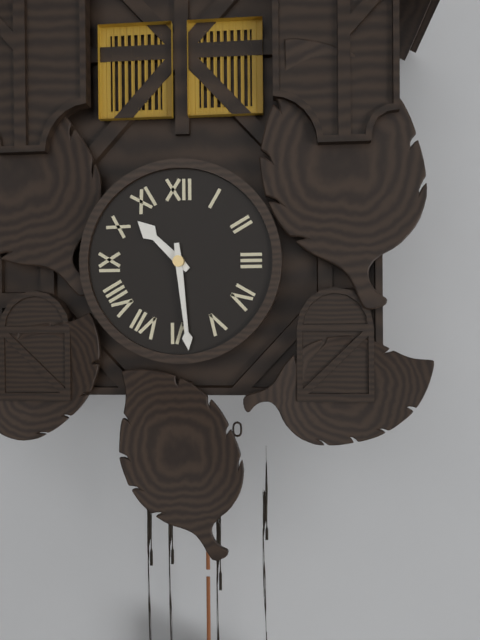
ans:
**10:29**
